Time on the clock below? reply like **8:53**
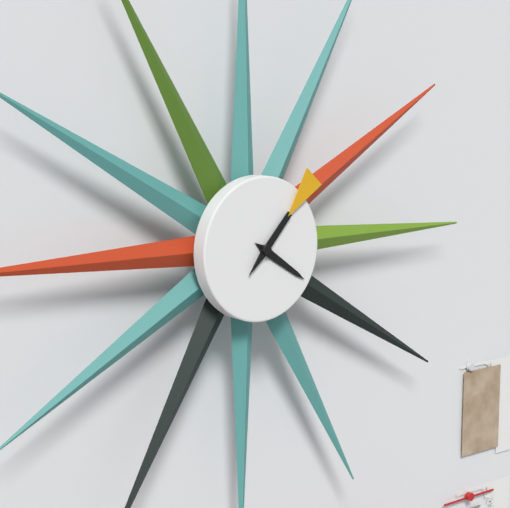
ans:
**4:07**
